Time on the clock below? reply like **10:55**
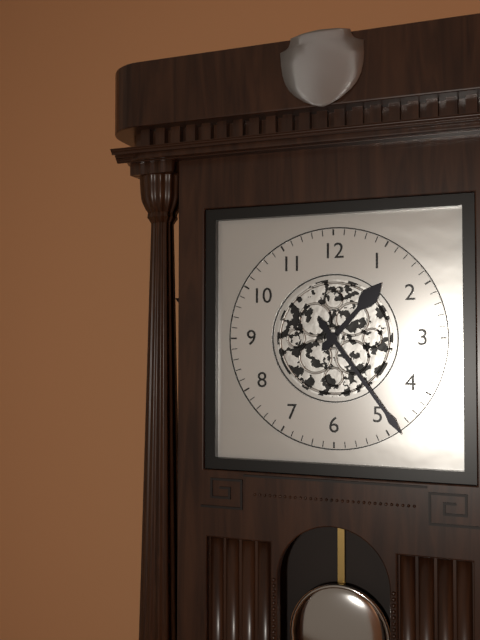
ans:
**1:24**
